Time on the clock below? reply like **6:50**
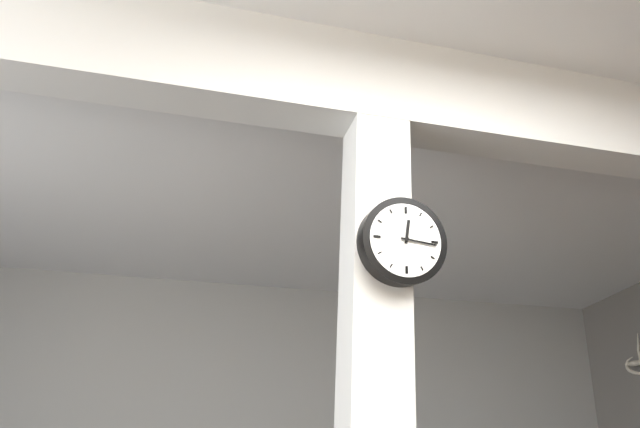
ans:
**12:16**
